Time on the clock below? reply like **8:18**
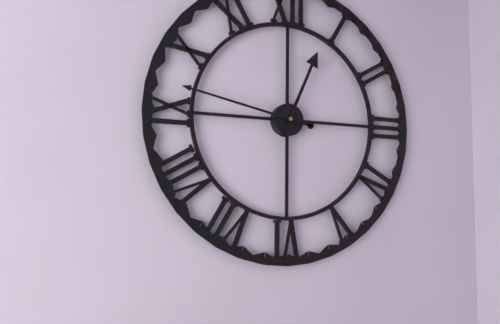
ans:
**12:47**
